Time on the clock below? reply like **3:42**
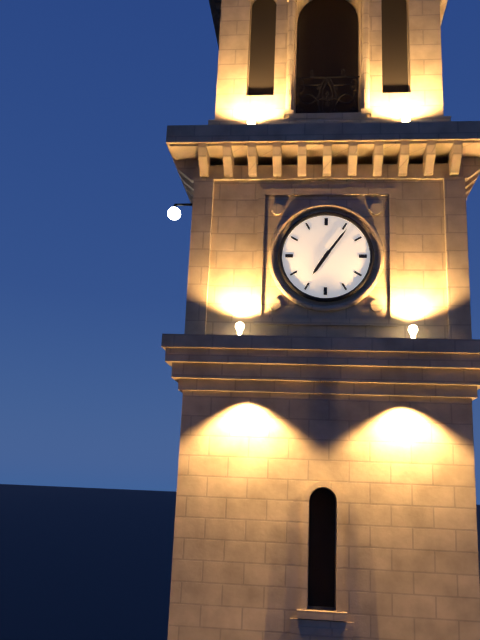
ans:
**7:06**
